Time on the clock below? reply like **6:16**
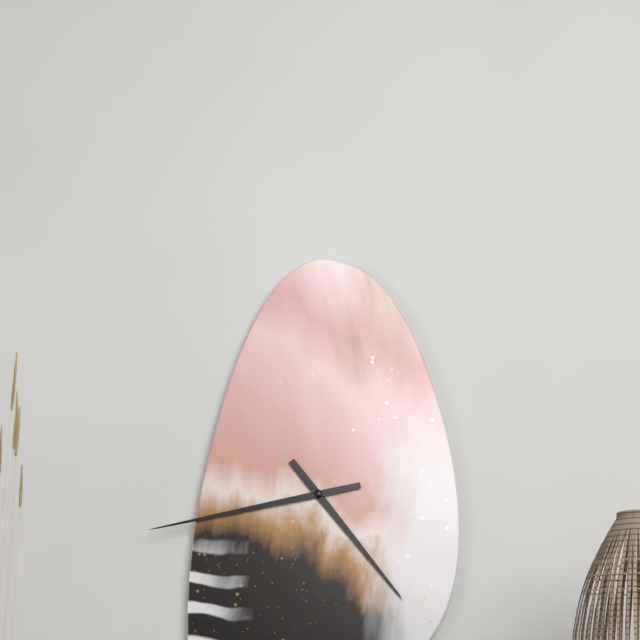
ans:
**4:43**
